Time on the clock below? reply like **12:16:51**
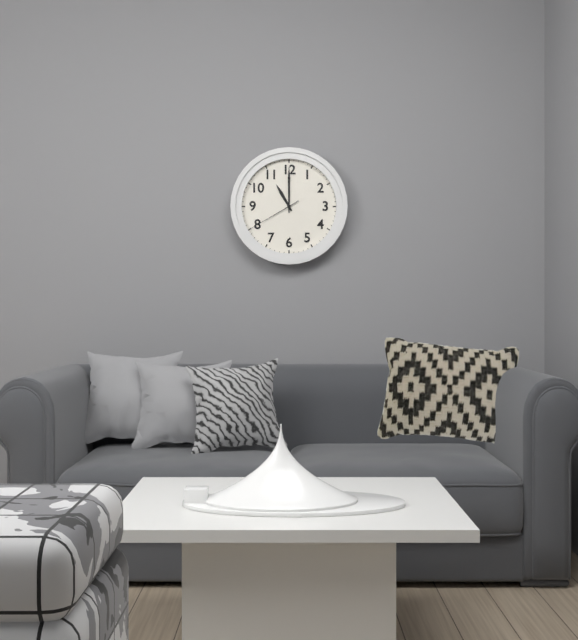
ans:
**11:00:40**
